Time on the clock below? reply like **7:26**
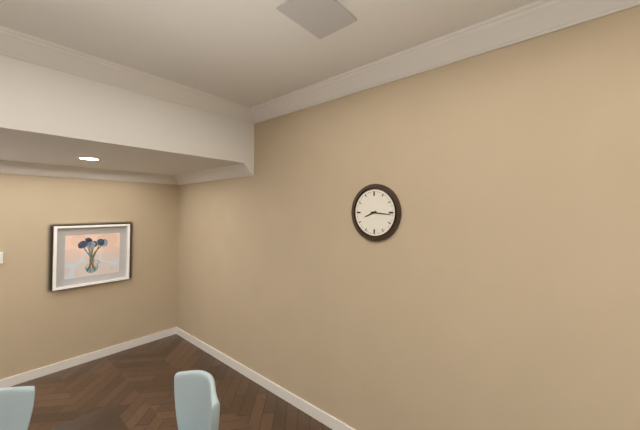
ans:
**8:16**
